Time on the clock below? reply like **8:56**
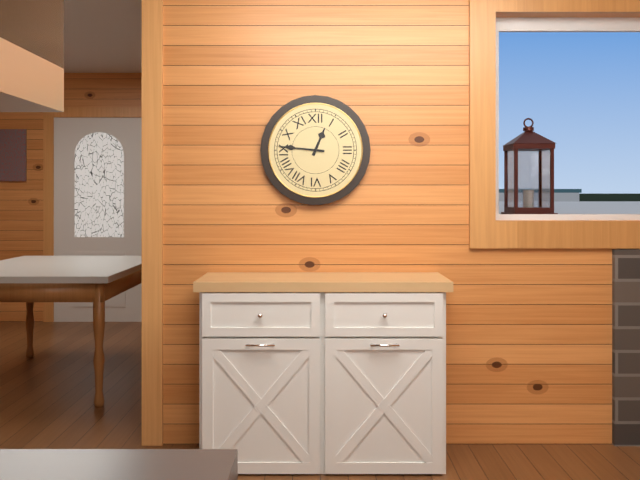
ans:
**12:46**
